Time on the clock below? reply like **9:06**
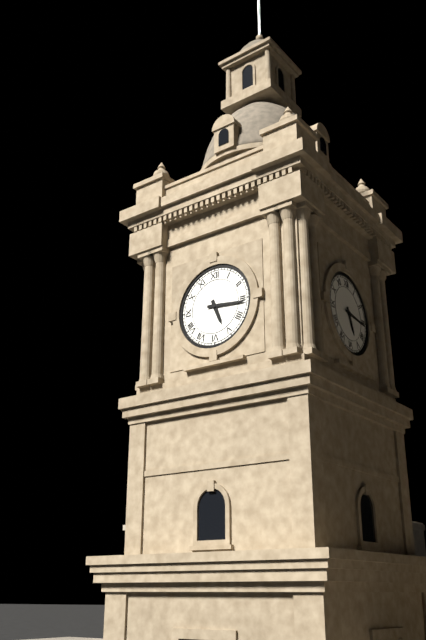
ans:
**5:16**
